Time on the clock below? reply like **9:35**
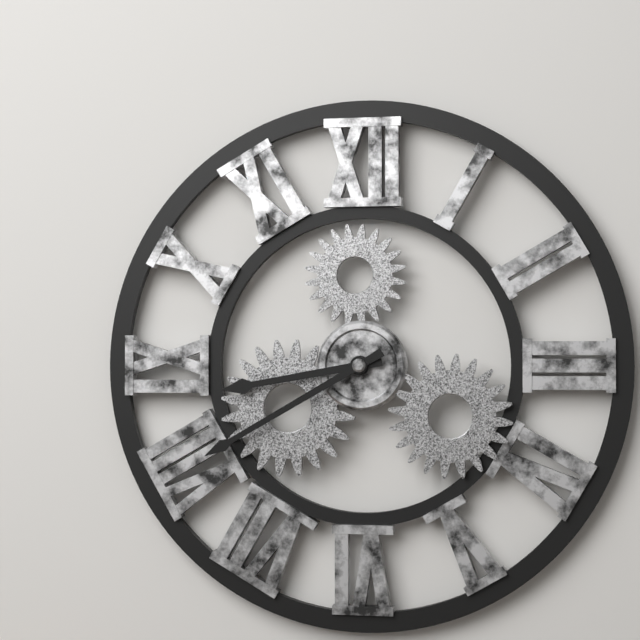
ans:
**8:40**
